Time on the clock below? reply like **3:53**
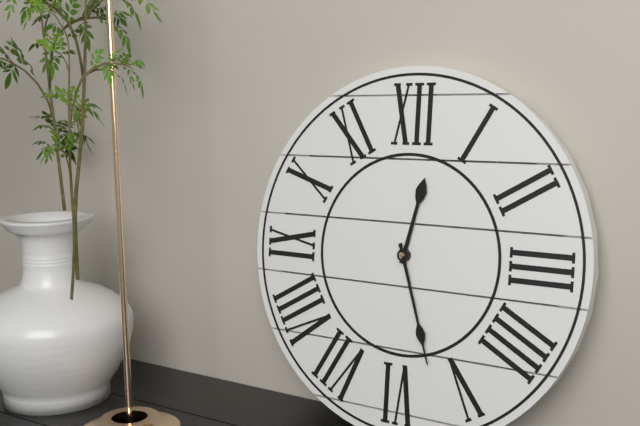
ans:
**12:27**
